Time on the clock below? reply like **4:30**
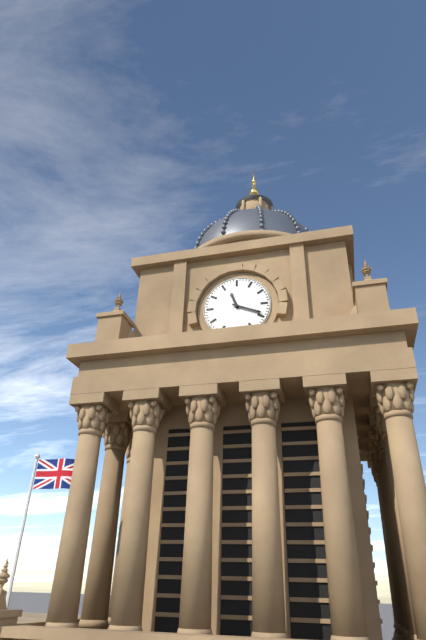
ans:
**11:19**
